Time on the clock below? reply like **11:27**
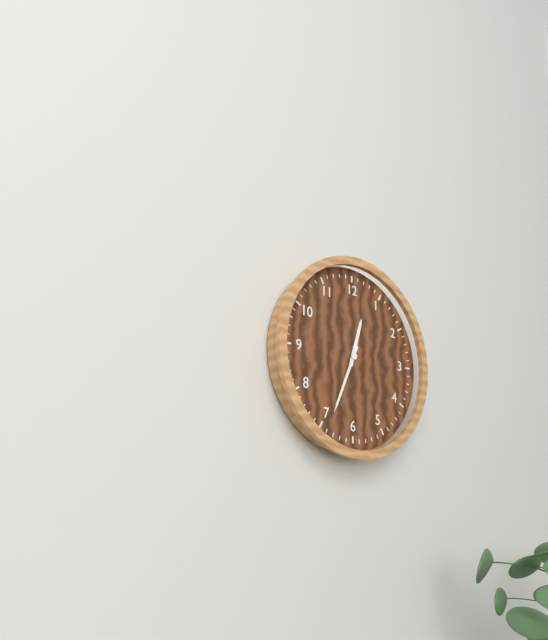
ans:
**12:34**
